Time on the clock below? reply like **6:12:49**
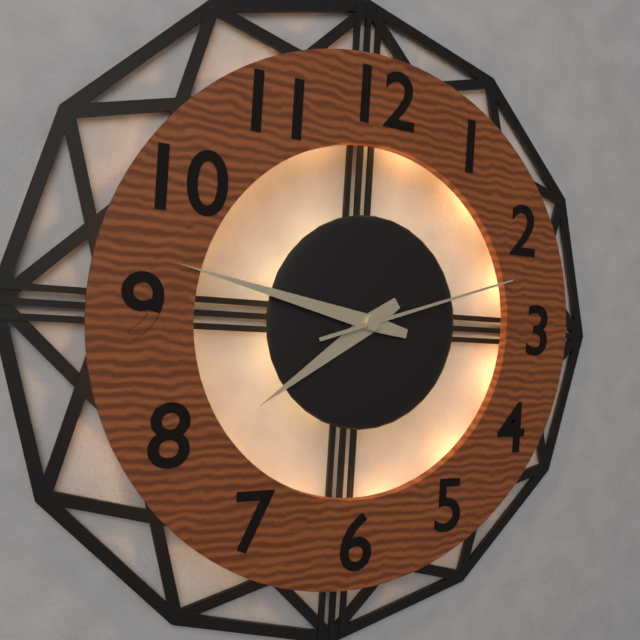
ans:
**7:47:12**
